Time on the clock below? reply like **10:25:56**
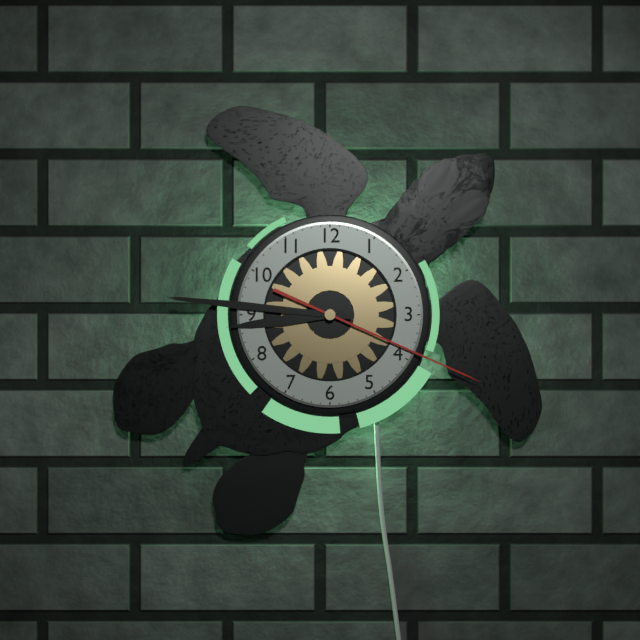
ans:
**8:46:19**
